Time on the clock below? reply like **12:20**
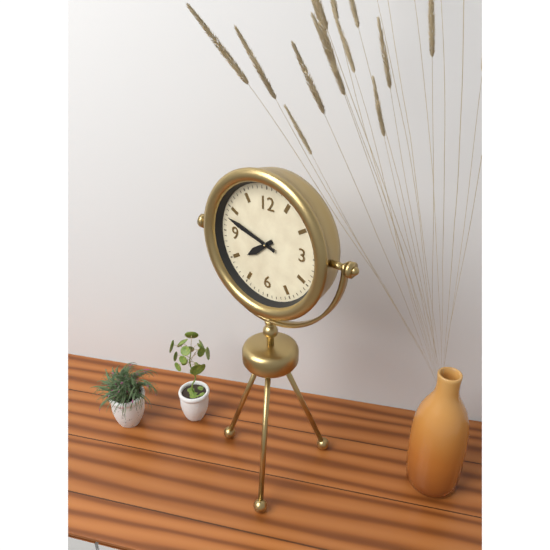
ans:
**7:48**
